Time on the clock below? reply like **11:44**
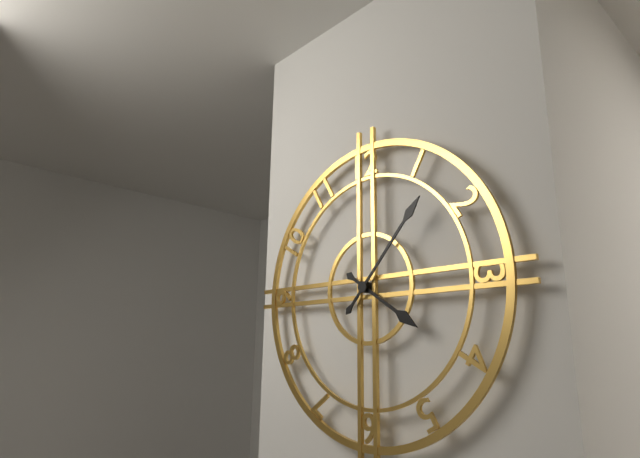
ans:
**4:07**
